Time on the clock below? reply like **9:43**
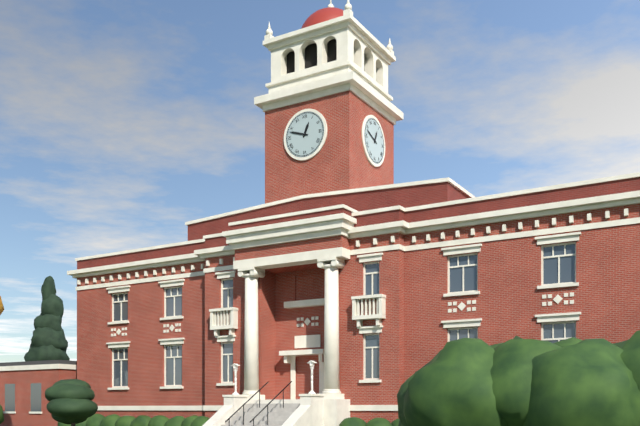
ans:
**12:48**
